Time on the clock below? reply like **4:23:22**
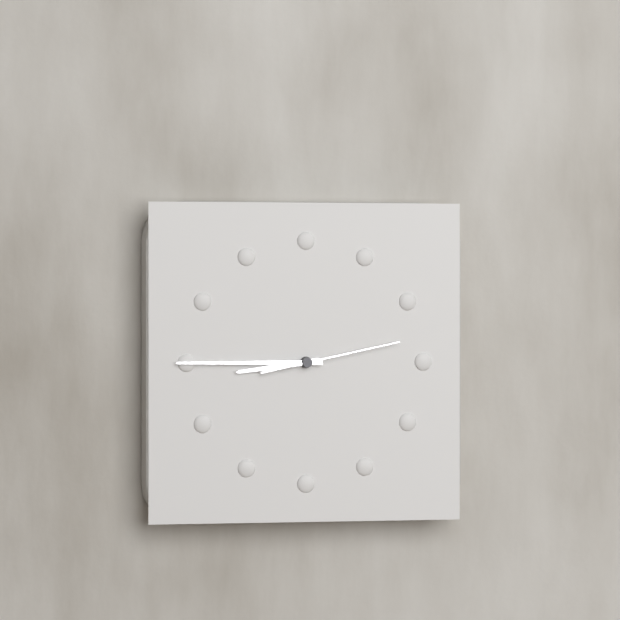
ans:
**8:45:13**
